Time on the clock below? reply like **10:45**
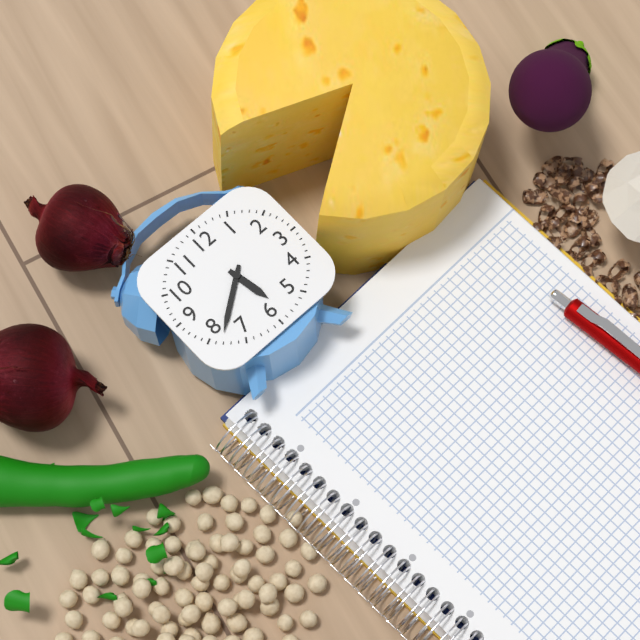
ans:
**5:39**
